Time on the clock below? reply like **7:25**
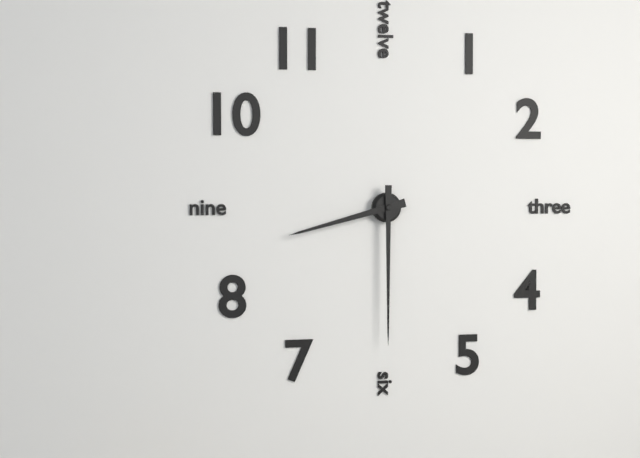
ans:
**8:30**
